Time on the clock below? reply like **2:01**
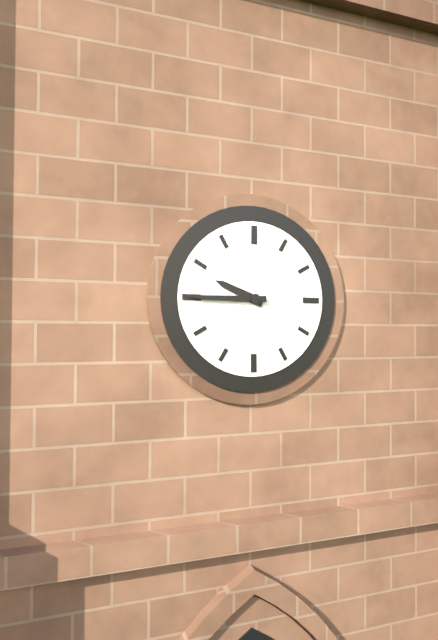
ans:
**9:45**
